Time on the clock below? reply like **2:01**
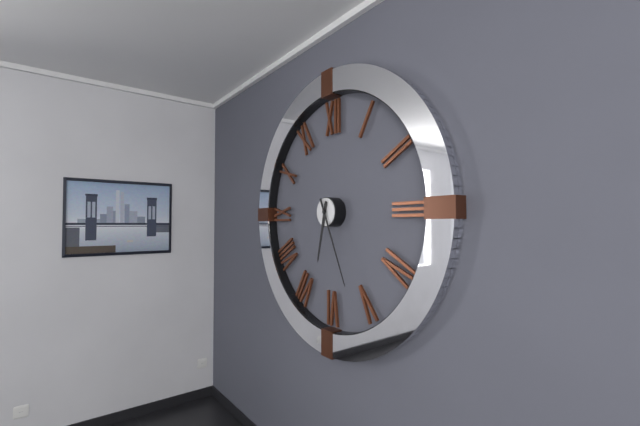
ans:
**6:26**
